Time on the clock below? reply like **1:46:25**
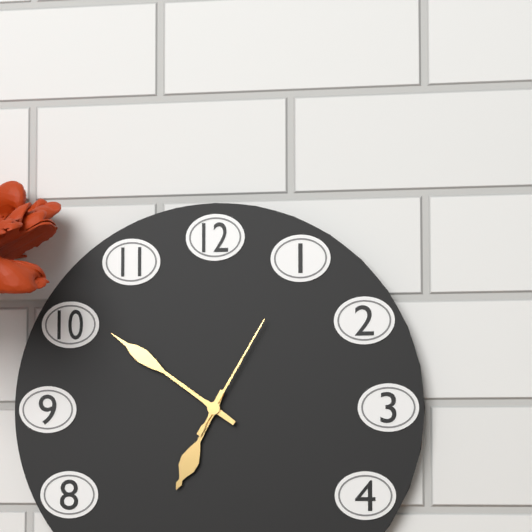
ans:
**6:51:05**
